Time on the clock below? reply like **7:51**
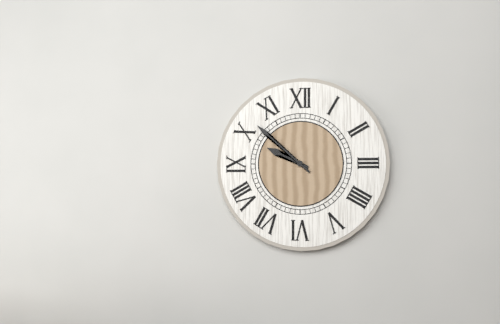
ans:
**9:52**
